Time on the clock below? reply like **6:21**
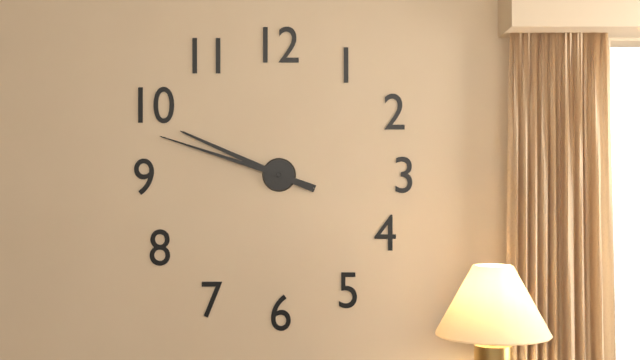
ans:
**9:48**
